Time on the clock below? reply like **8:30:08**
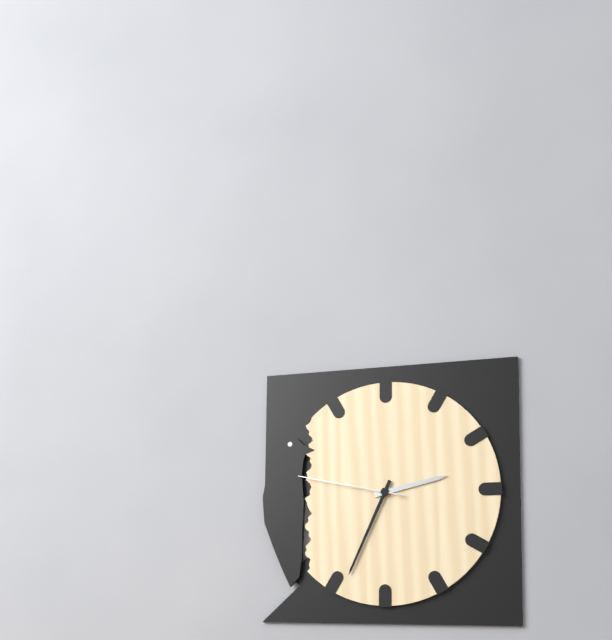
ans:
**2:34:47**
